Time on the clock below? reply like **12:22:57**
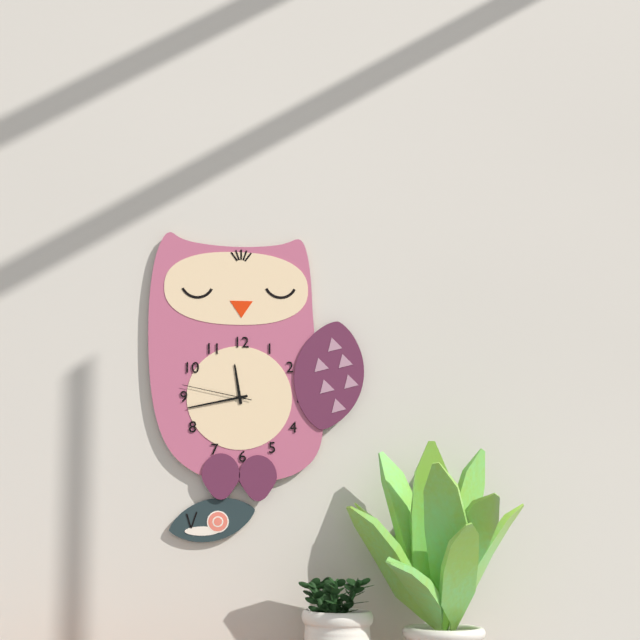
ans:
**11:43:47**
